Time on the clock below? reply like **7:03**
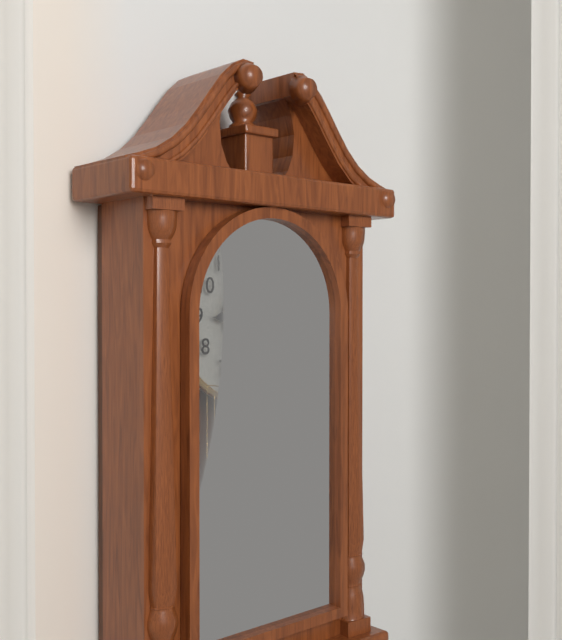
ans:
**8:58**
